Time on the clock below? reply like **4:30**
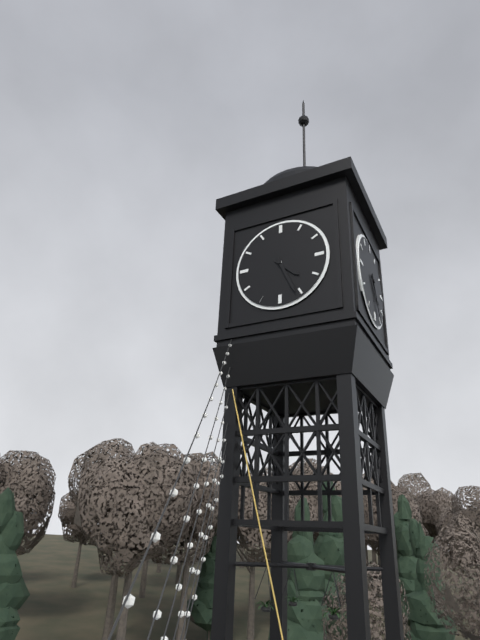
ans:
**4:26**
